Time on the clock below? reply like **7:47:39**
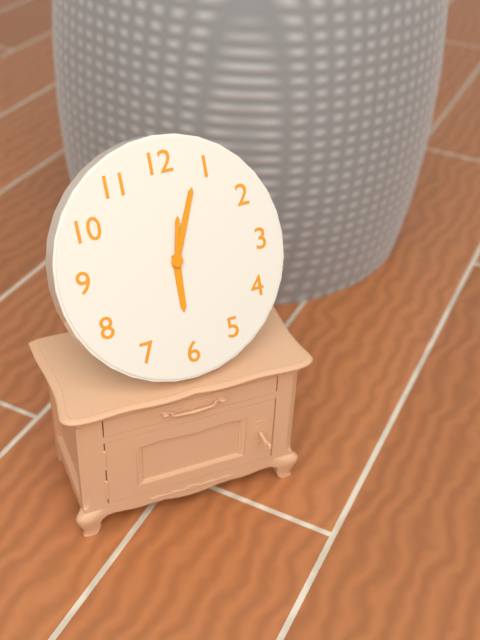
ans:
**6:04:02**
